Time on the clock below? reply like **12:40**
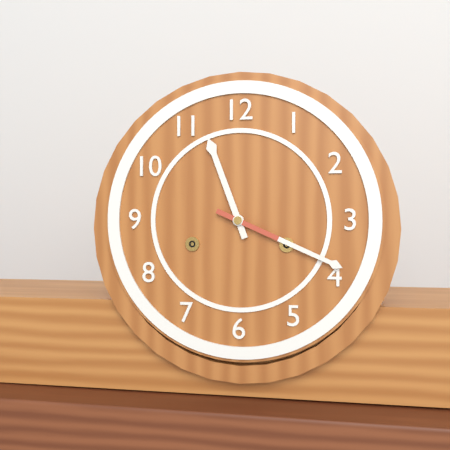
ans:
**11:19**
